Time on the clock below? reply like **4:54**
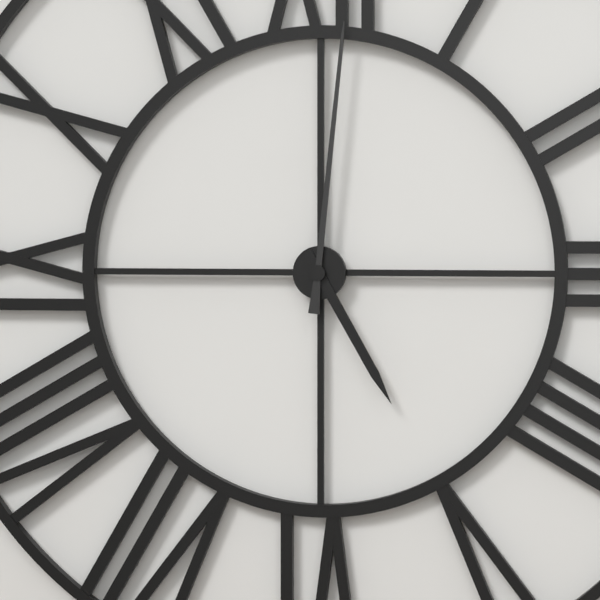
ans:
**5:01**
